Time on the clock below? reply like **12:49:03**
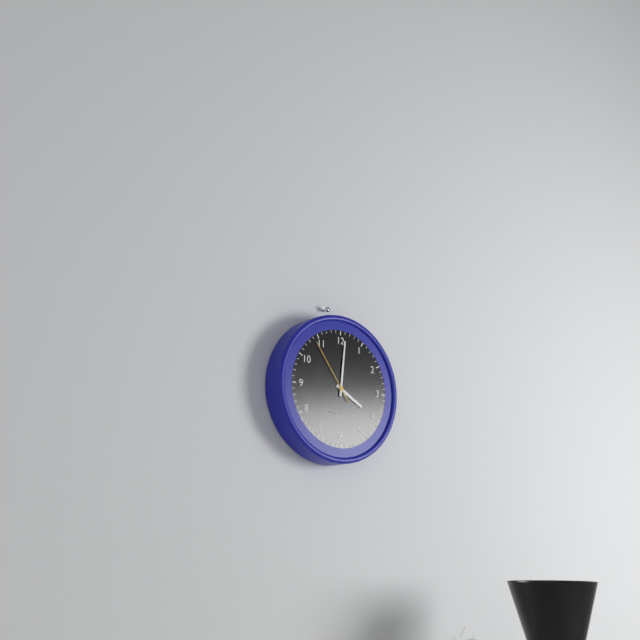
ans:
**4:01:54**
